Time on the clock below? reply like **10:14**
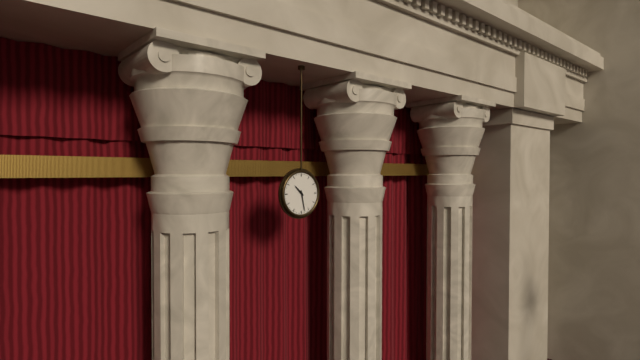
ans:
**10:28**
